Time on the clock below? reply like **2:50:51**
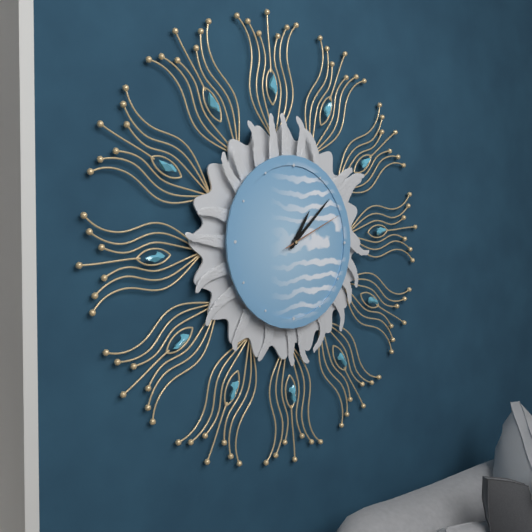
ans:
**1:08:11**
